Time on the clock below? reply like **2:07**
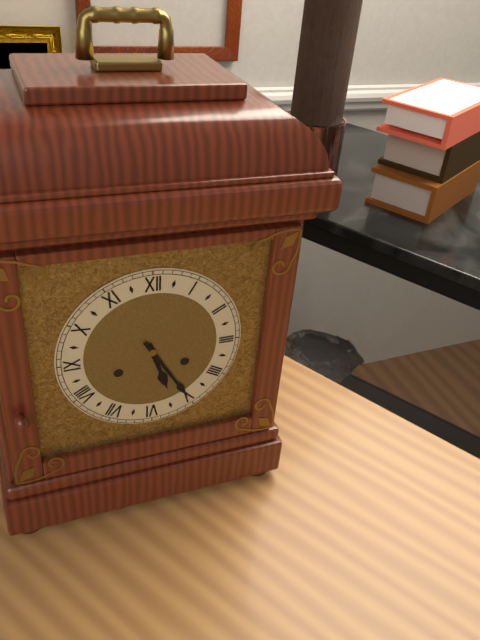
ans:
**5:25**
